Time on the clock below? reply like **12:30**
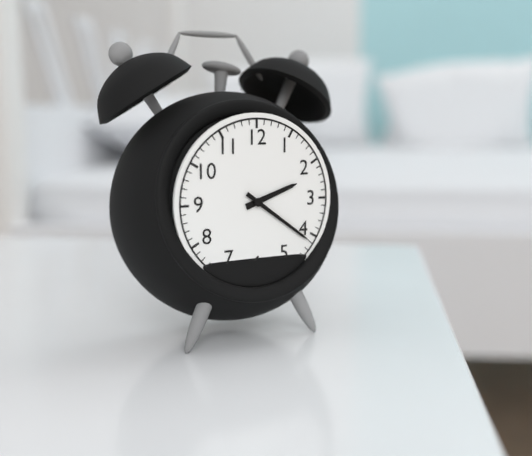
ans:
**2:21**
